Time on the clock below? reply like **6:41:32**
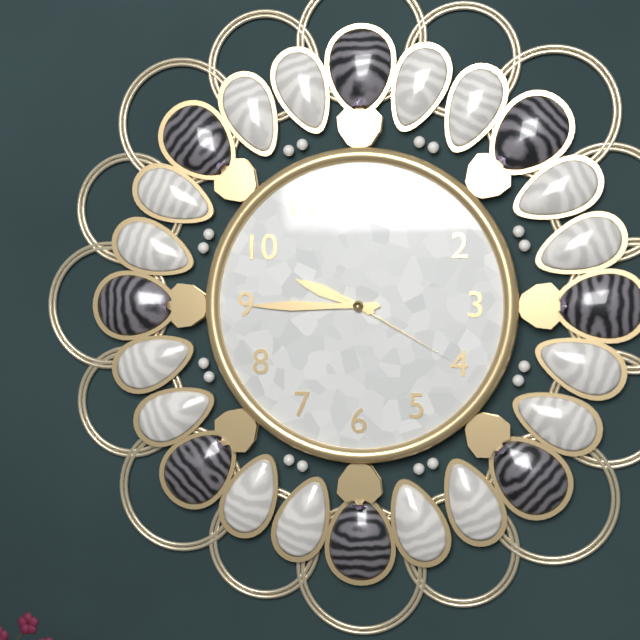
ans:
**9:45:20**
